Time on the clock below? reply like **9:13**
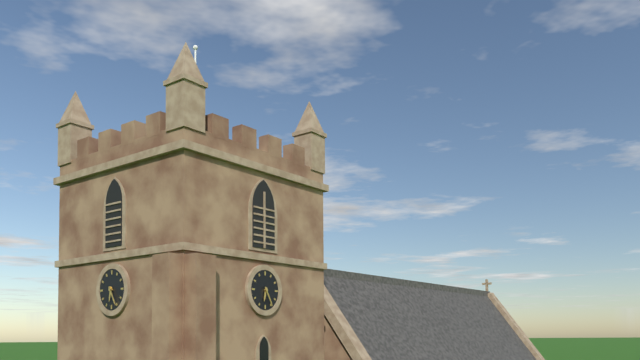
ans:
**6:25**
